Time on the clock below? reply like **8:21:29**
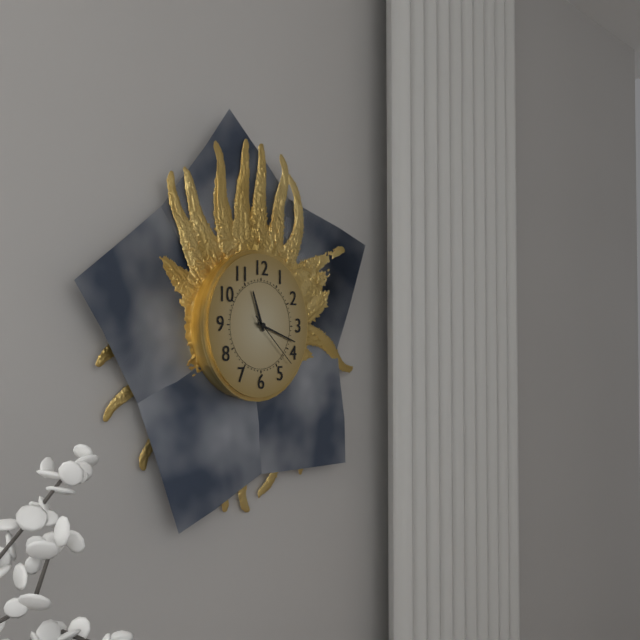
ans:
**11:18:22**
